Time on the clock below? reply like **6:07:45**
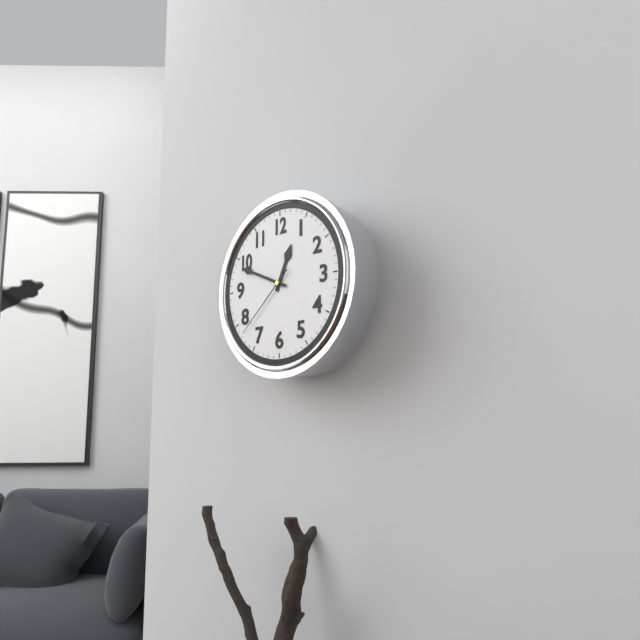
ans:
**12:49:38**
